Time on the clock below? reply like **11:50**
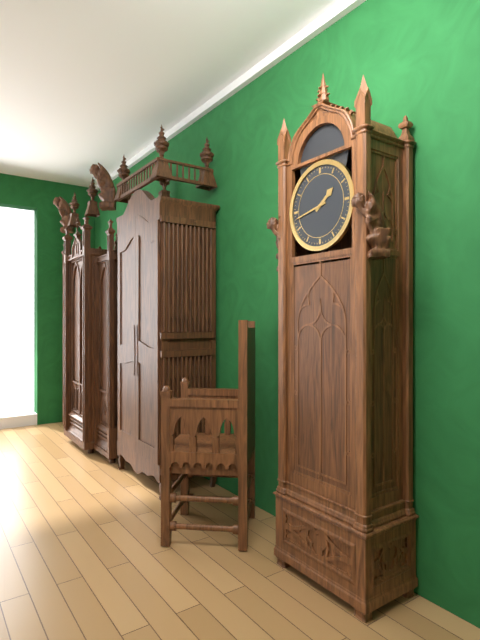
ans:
**1:43**
